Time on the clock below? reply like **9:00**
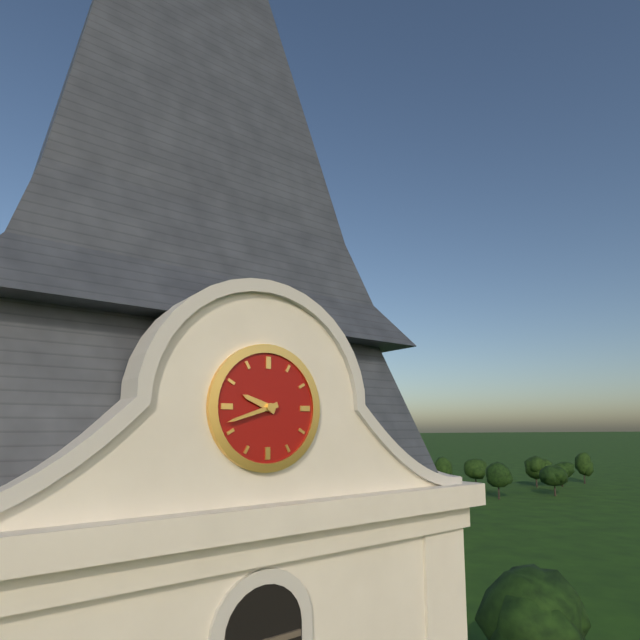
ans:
**9:42**
